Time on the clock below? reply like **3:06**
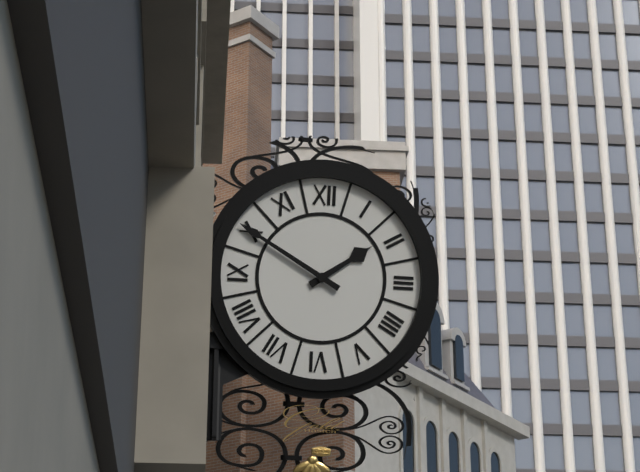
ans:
**1:50**
